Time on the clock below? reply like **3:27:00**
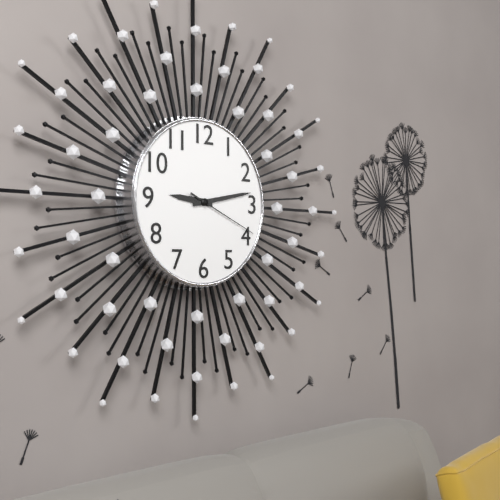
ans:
**9:13:19**
